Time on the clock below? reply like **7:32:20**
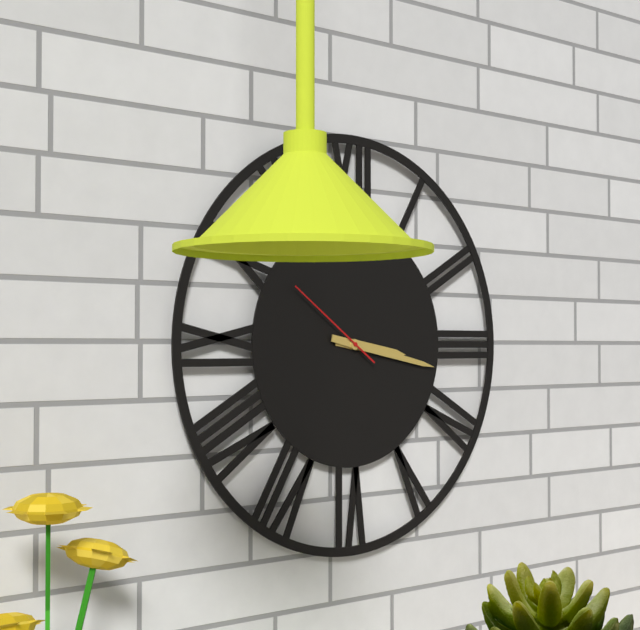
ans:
**3:17:51**
